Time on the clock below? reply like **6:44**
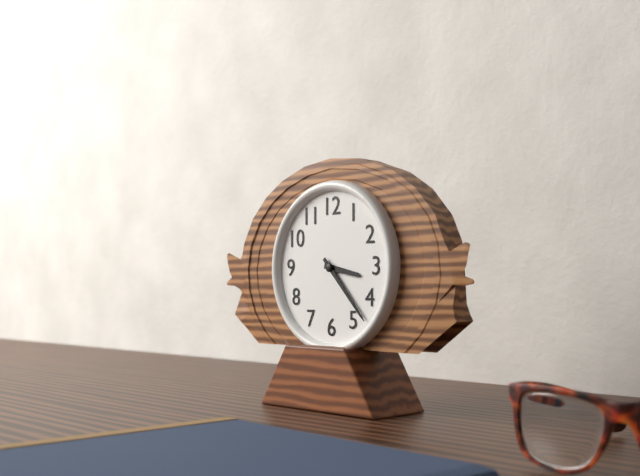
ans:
**3:23**
